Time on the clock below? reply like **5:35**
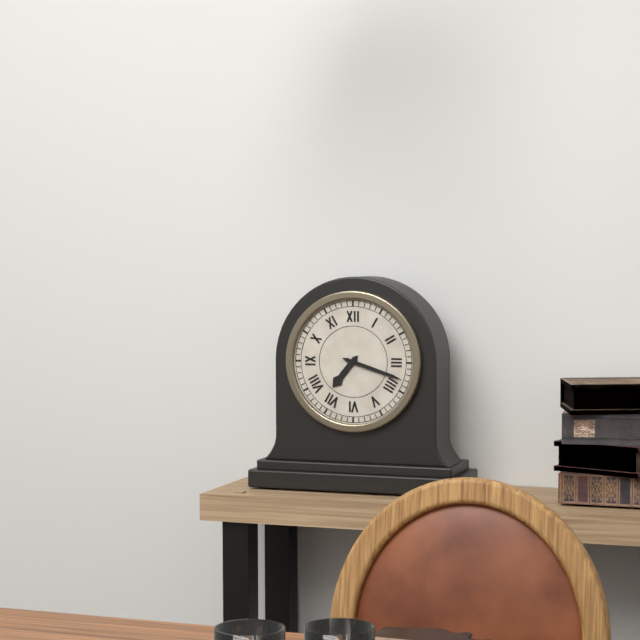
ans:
**7:18**
